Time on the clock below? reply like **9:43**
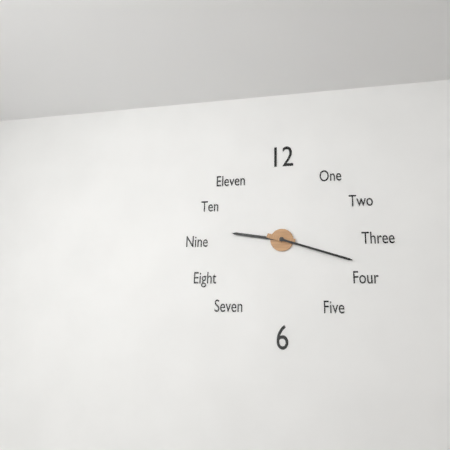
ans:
**9:18**
